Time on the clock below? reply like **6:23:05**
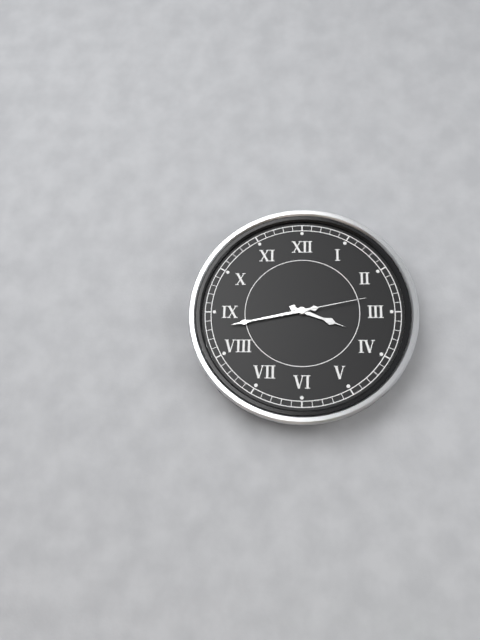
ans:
**3:43:13**
